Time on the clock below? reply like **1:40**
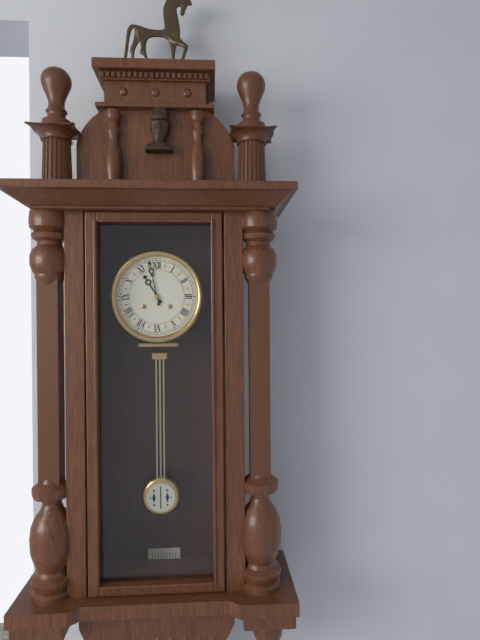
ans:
**10:58**
